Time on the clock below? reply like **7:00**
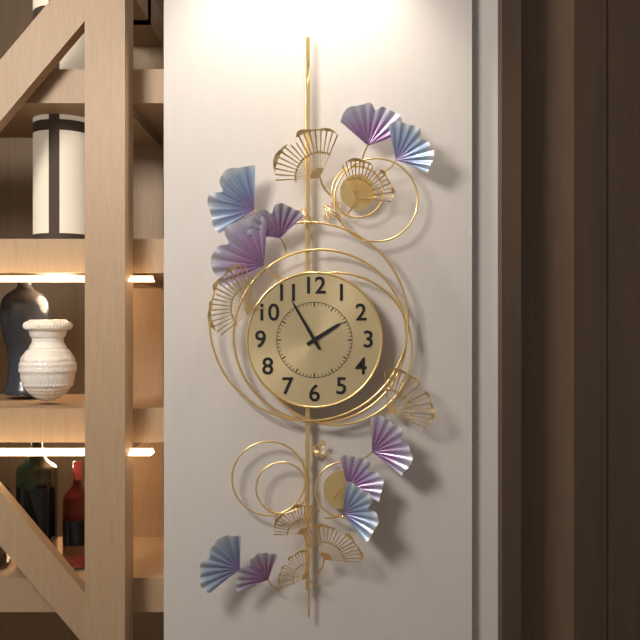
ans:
**1:55**
